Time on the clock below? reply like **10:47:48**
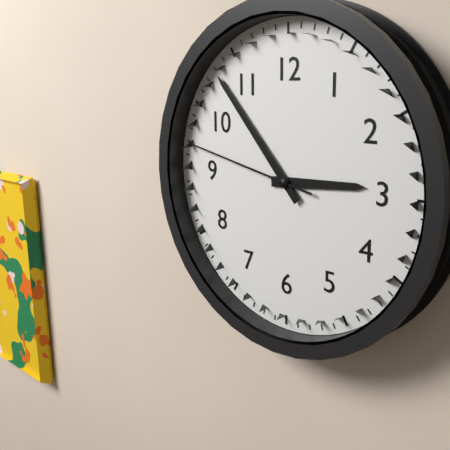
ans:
**2:53:47**
